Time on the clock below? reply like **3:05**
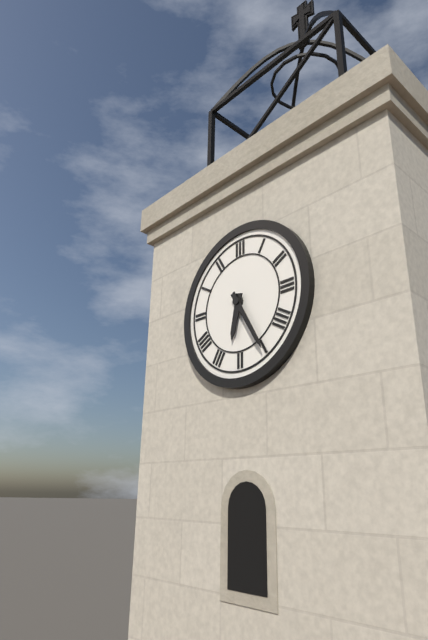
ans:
**6:25**
